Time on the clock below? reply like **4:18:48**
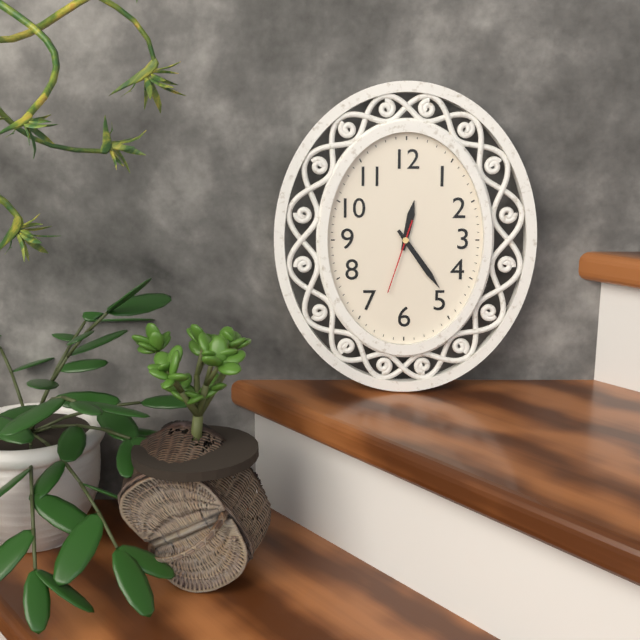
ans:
**12:24:33**
